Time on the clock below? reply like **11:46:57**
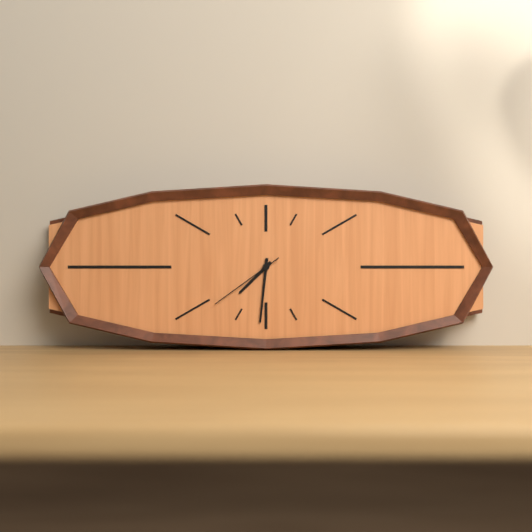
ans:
**7:31:39**
